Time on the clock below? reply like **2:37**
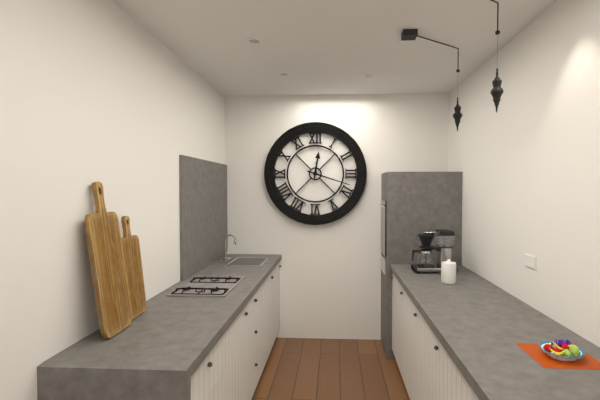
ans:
**12:18**
